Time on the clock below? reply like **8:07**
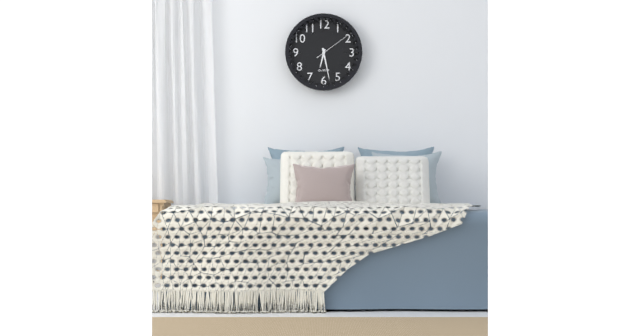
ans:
**6:28**
